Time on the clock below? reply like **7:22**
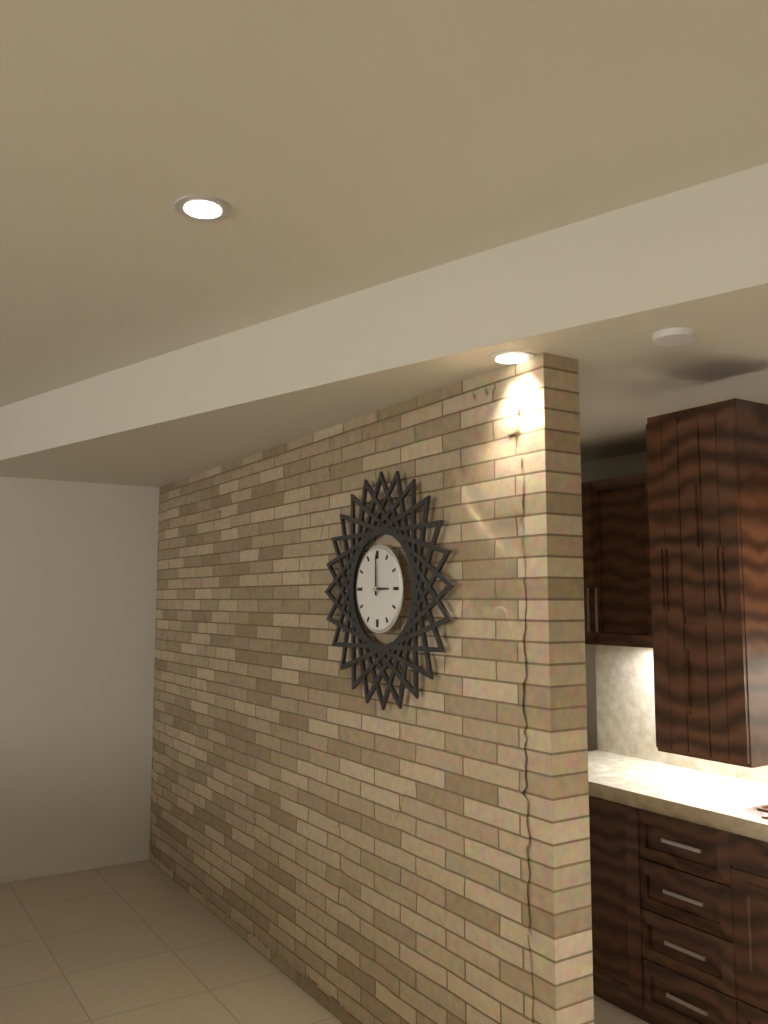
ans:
**3:00**
